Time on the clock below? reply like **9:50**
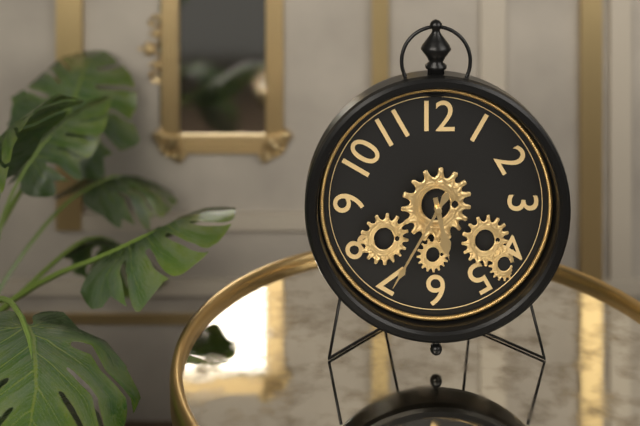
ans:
**5:35**
